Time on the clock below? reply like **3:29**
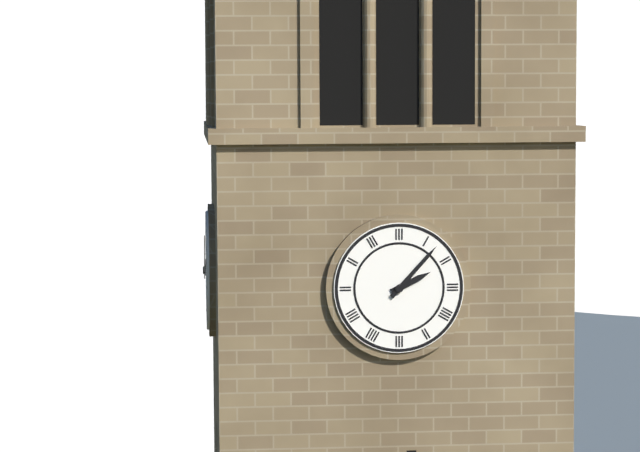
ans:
**2:07**
